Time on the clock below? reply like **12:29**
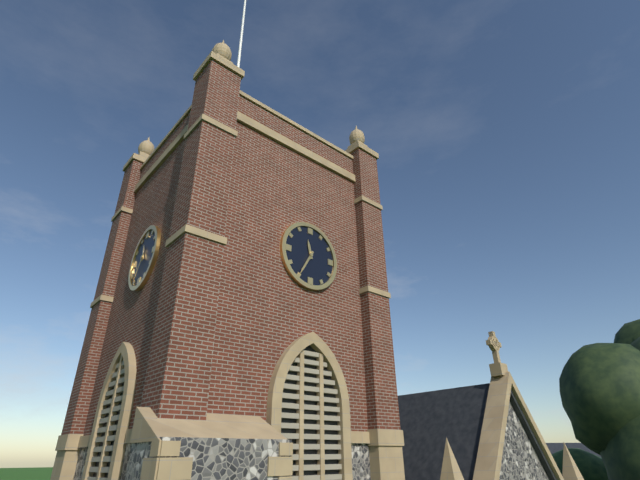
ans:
**11:35**
